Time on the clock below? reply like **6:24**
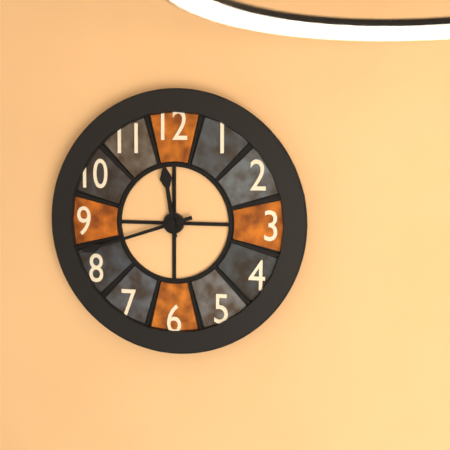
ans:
**11:42**
